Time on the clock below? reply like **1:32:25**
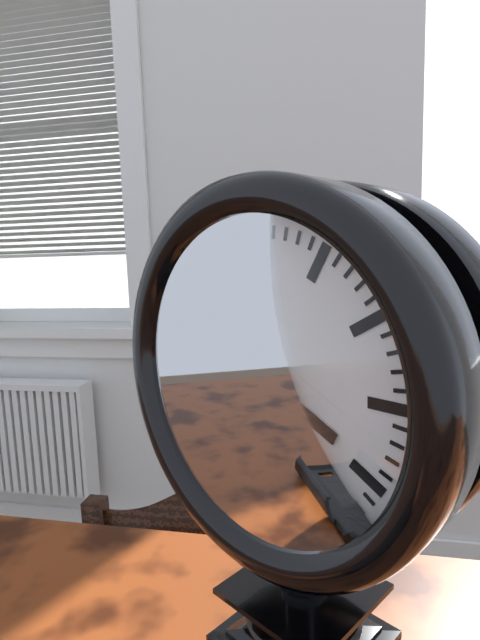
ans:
**3:52:31**
